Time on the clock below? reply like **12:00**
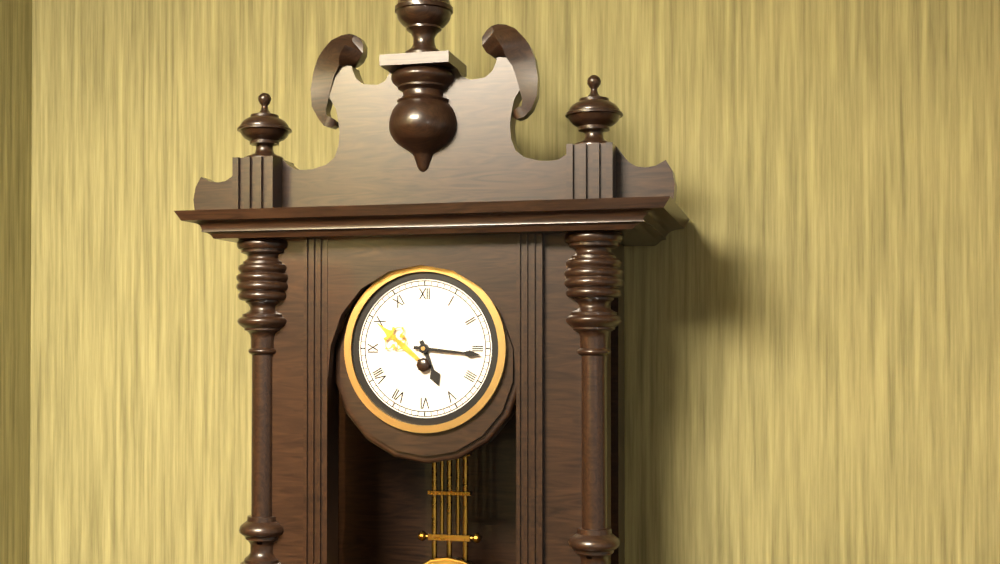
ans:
**5:16**
